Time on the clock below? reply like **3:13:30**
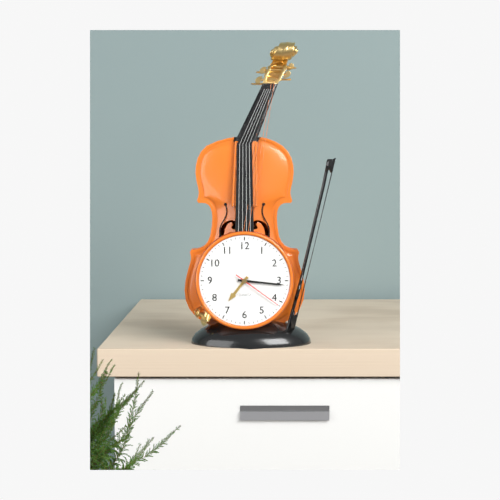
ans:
**7:16:21**
